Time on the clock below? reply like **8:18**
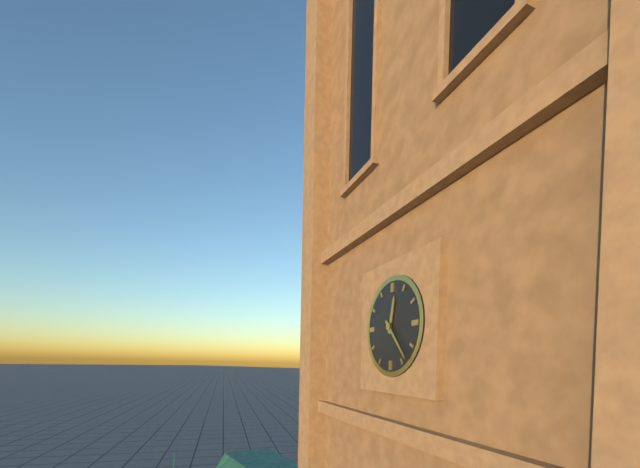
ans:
**12:23**
